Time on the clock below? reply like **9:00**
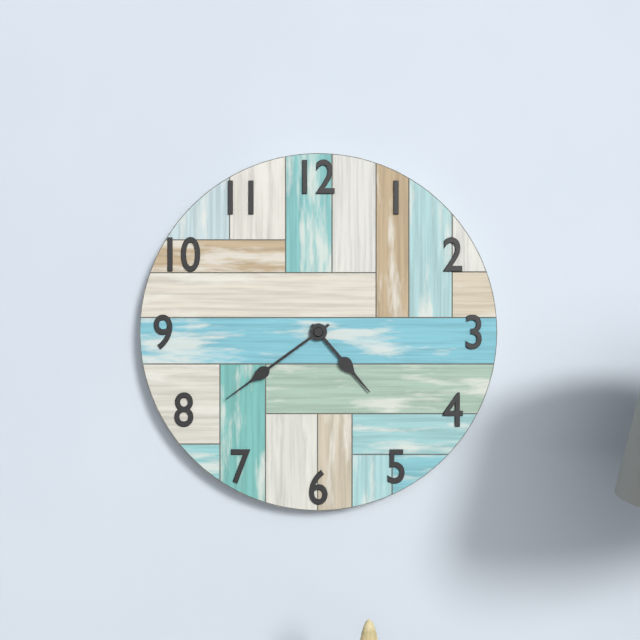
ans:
**4:39**
